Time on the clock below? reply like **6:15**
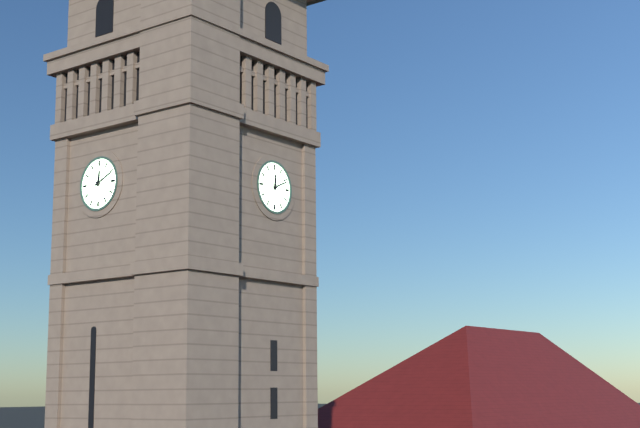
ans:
**12:11**
